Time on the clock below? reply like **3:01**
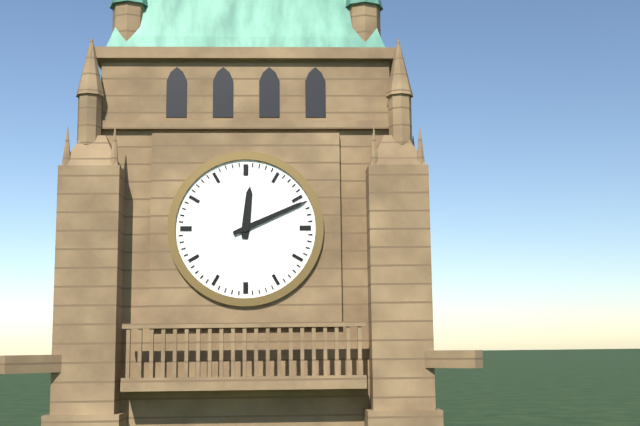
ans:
**12:11**
